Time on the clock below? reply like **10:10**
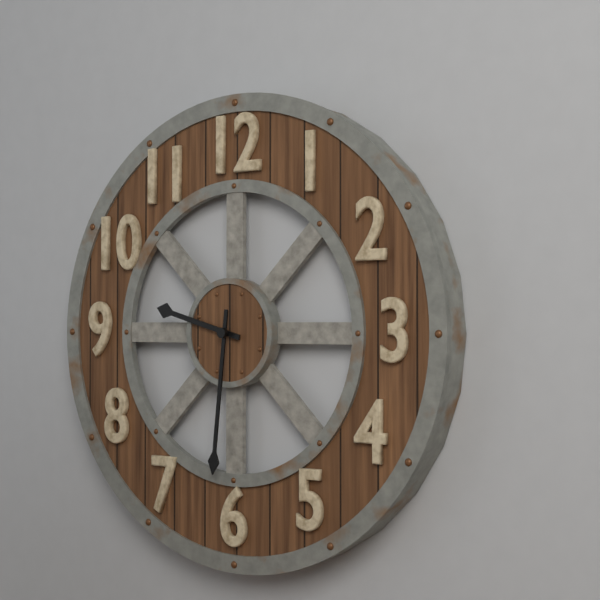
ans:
**9:31**
